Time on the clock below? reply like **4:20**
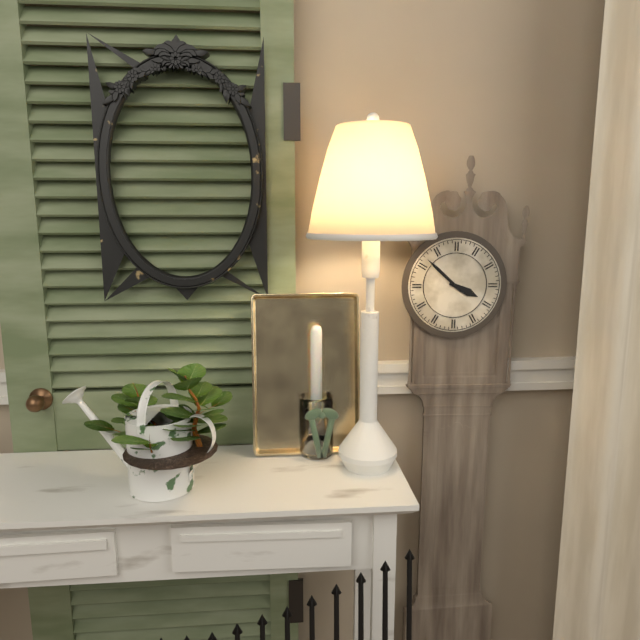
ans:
**3:52**
